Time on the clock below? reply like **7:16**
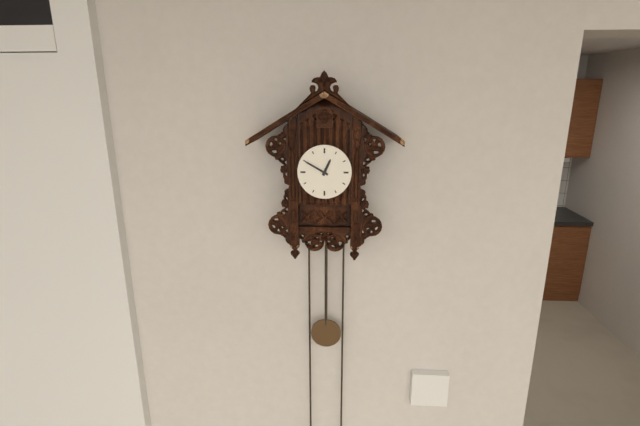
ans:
**12:50**
